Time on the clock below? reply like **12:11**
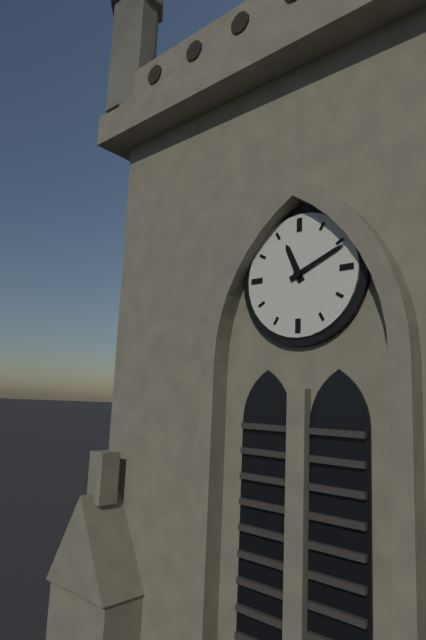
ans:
**11:11**
